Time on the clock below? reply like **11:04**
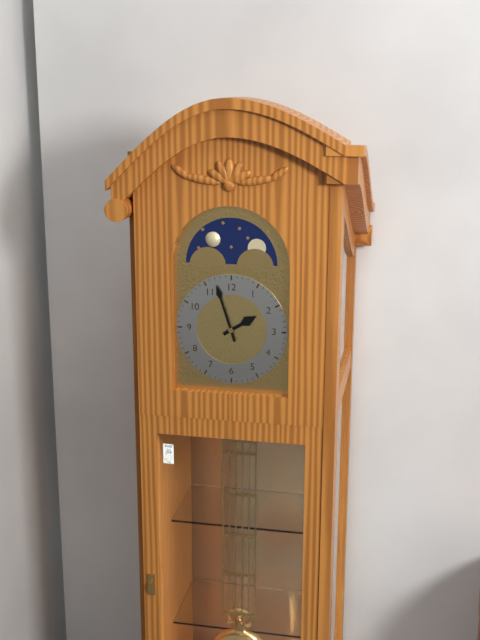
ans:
**1:57**
